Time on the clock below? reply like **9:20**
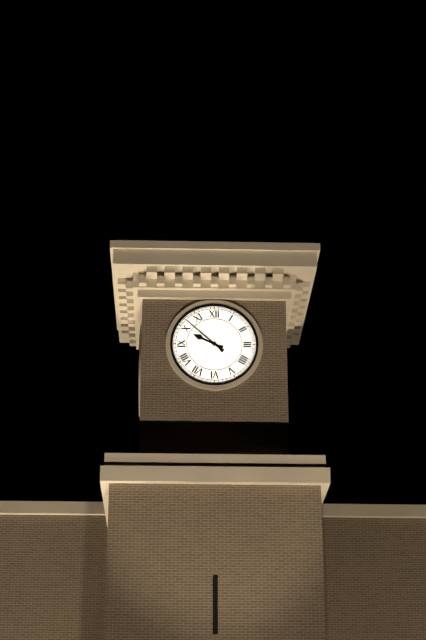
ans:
**9:52**
